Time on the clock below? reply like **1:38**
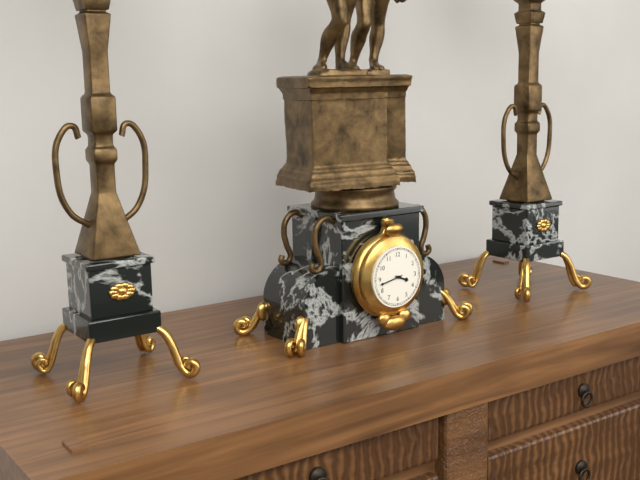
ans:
**3:43**
